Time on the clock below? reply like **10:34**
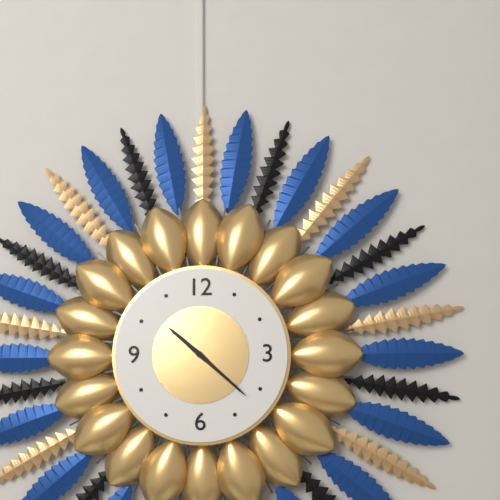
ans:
**10:22**
